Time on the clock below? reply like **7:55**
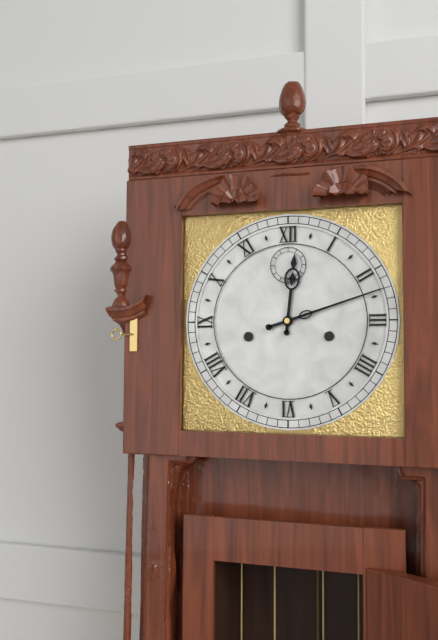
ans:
**12:12**
